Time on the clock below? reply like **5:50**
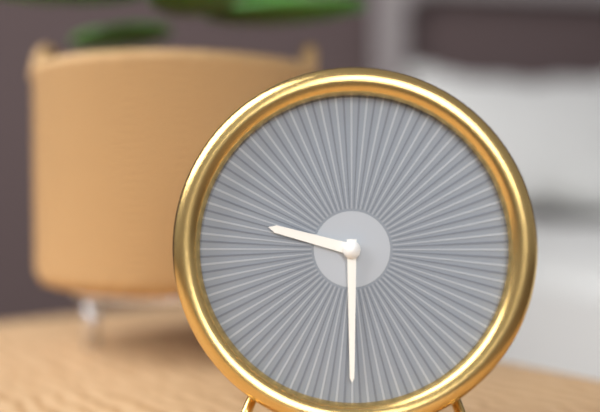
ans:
**9:30**
